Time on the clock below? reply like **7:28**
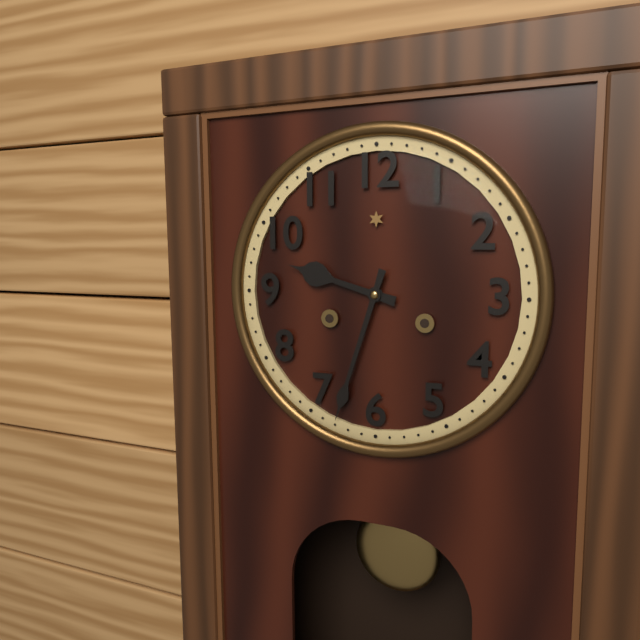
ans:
**9:33**
